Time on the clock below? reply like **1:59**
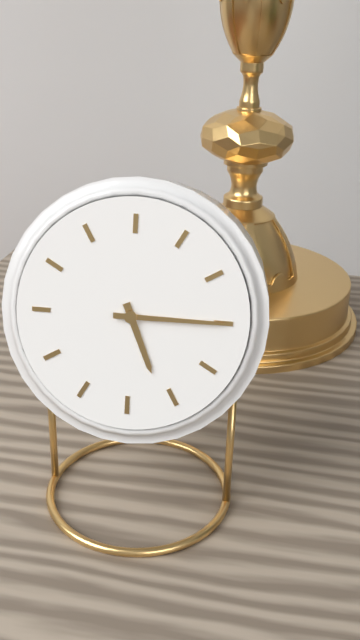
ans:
**5:15**
